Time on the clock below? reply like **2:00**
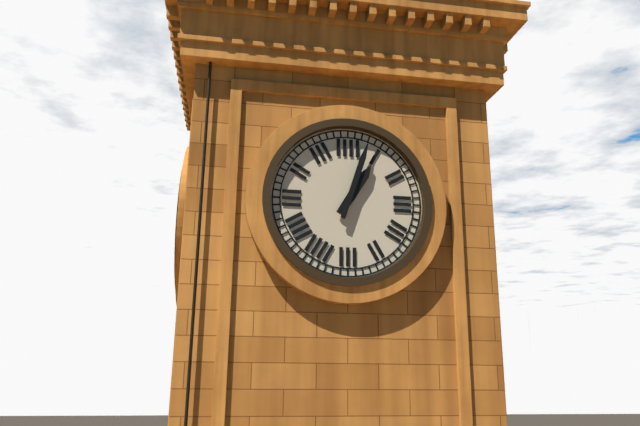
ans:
**1:03**
